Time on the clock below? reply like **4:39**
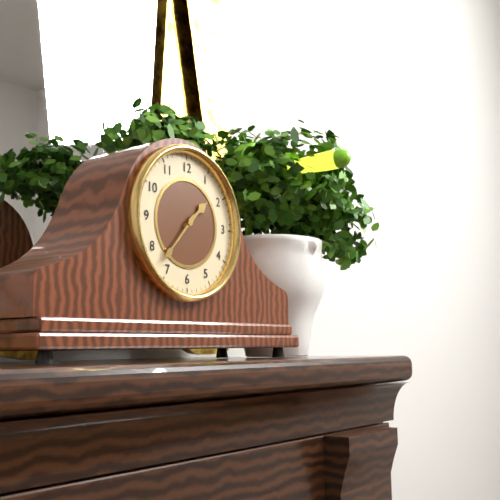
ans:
**1:37**
